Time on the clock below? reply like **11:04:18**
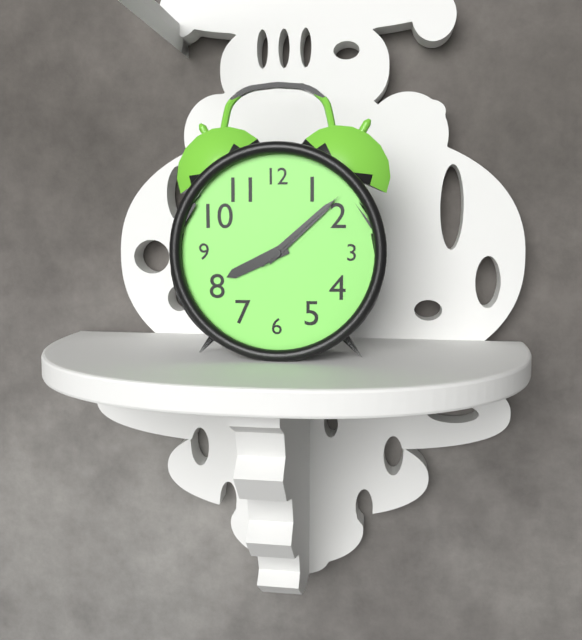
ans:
**8:08:08**
